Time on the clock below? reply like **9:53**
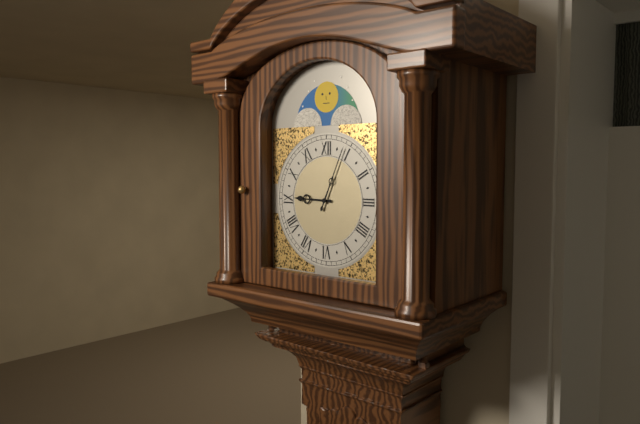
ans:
**9:04**
